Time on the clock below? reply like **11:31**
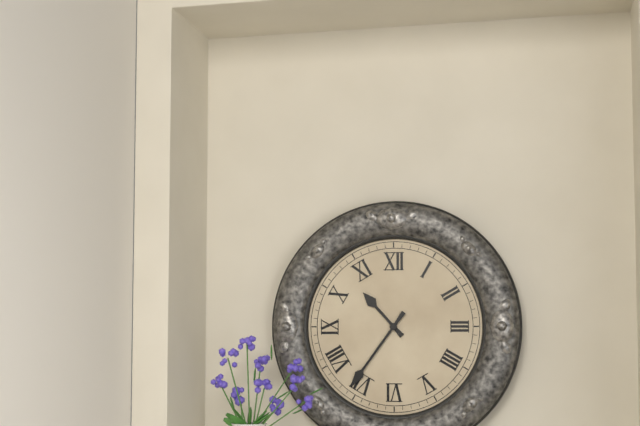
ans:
**10:36**
